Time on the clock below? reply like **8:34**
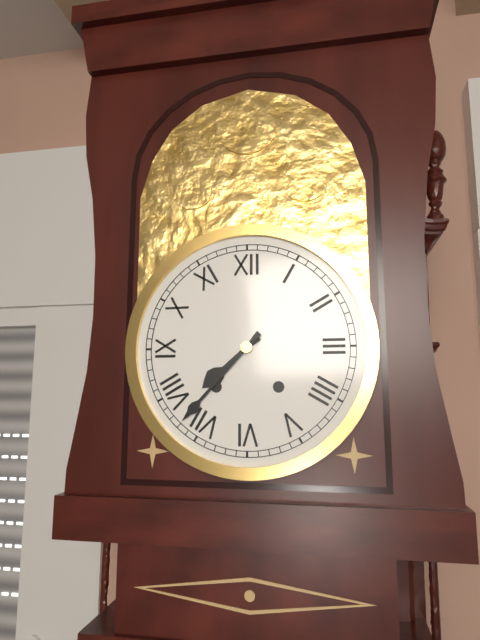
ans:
**7:37**
